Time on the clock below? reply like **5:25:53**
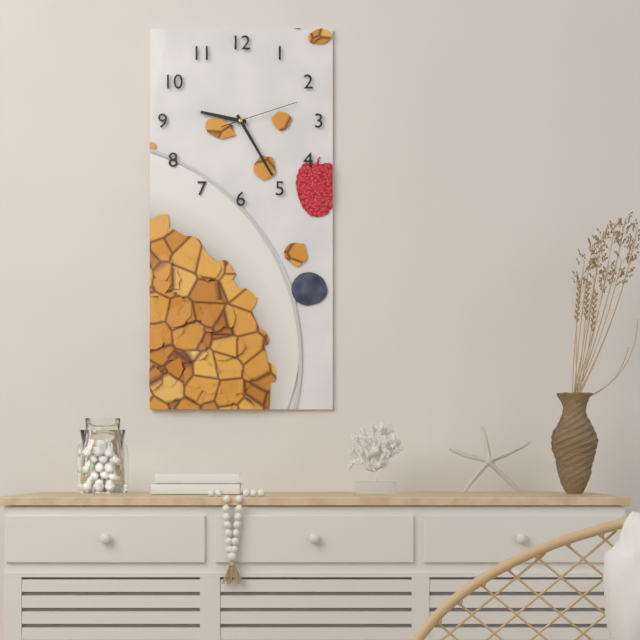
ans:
**9:25:12**
